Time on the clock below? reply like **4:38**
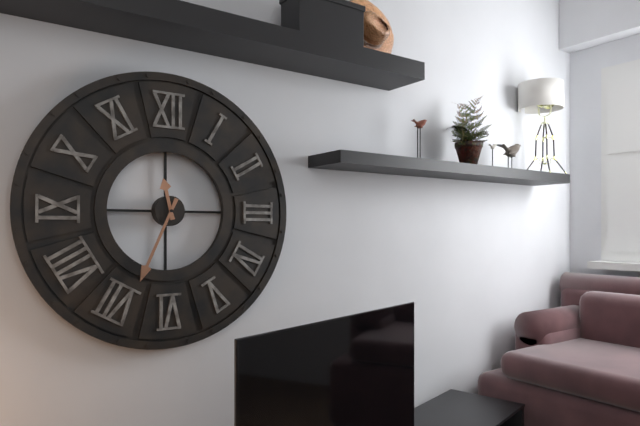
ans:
**11:34**
